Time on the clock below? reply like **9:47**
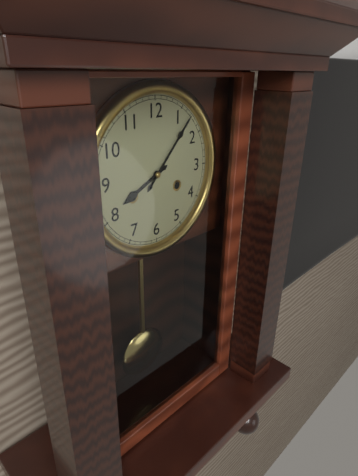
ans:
**8:07**
